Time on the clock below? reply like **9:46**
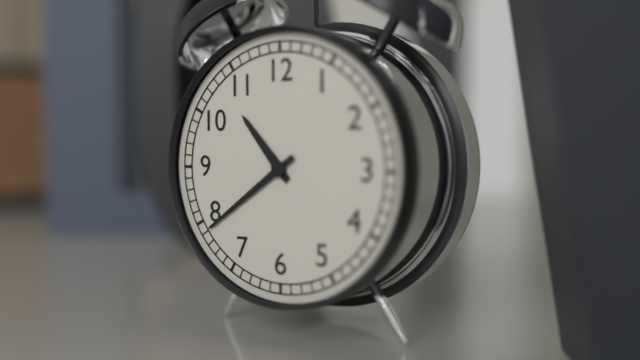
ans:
**10:39**
